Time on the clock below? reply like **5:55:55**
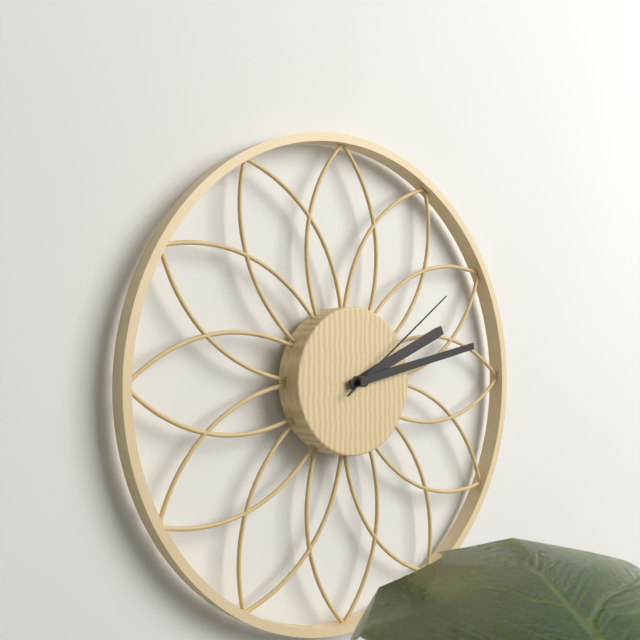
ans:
**2:13:09**
